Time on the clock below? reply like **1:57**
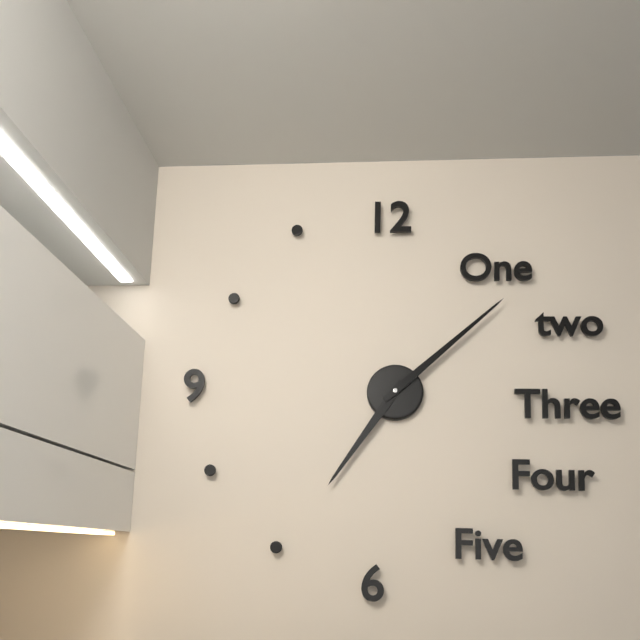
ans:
**7:08**
